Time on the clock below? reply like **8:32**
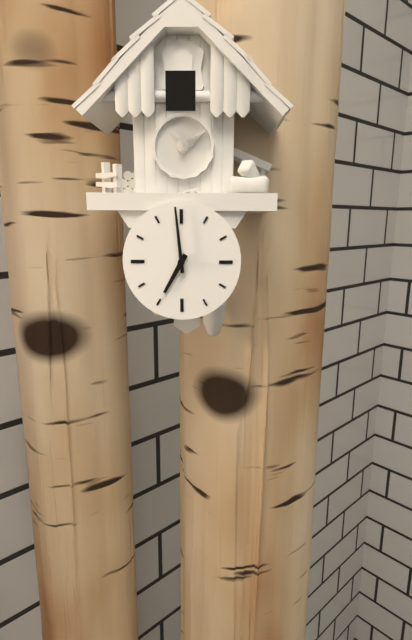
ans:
**6:59**
